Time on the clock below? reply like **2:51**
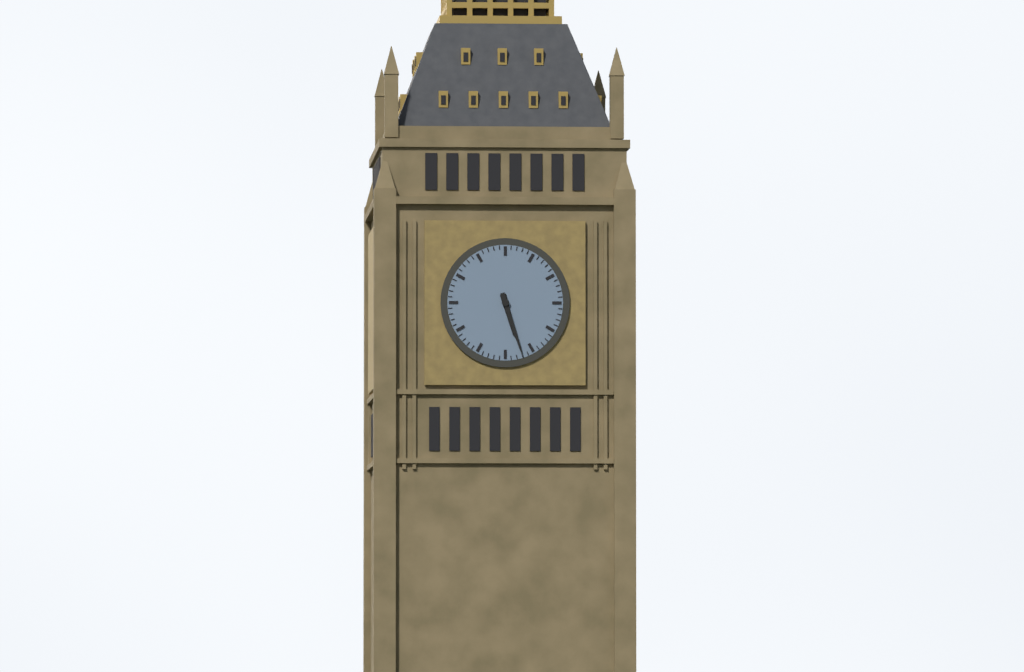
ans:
**5:27**
